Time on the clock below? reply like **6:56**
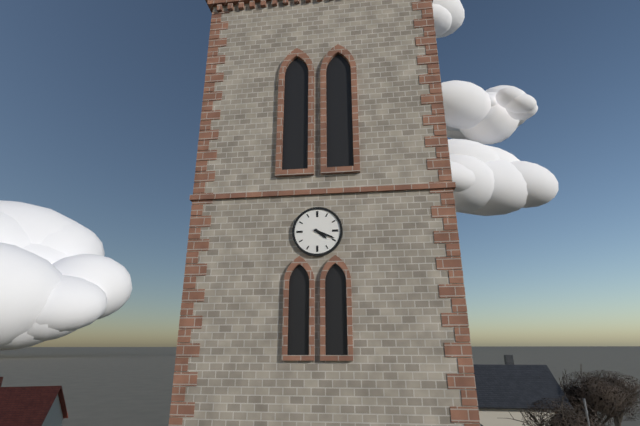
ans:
**4:19**
